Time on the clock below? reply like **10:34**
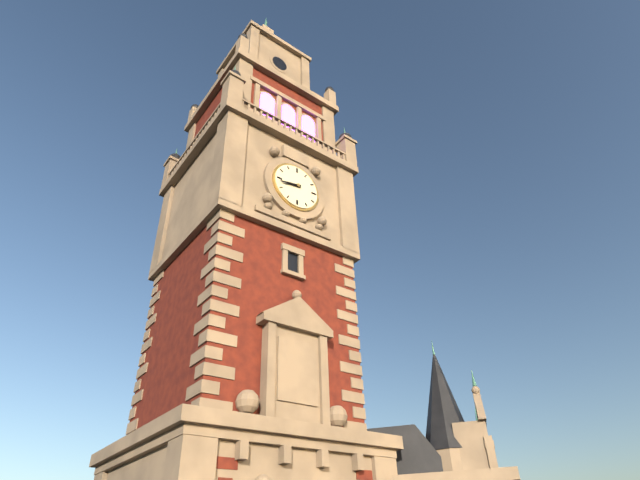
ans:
**8:43**
